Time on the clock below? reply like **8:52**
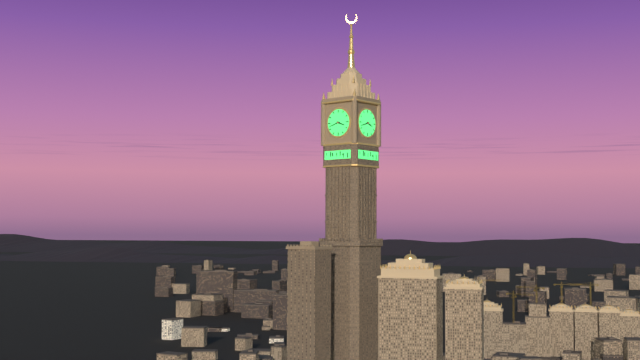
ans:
**3:42**
